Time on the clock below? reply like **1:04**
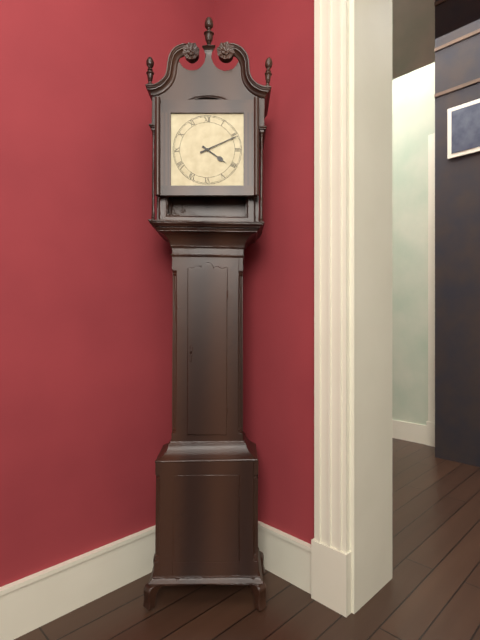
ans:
**4:11**
